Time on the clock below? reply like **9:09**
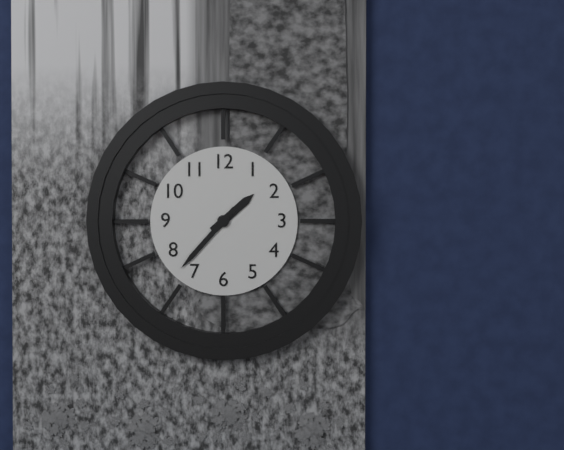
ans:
**1:37**
